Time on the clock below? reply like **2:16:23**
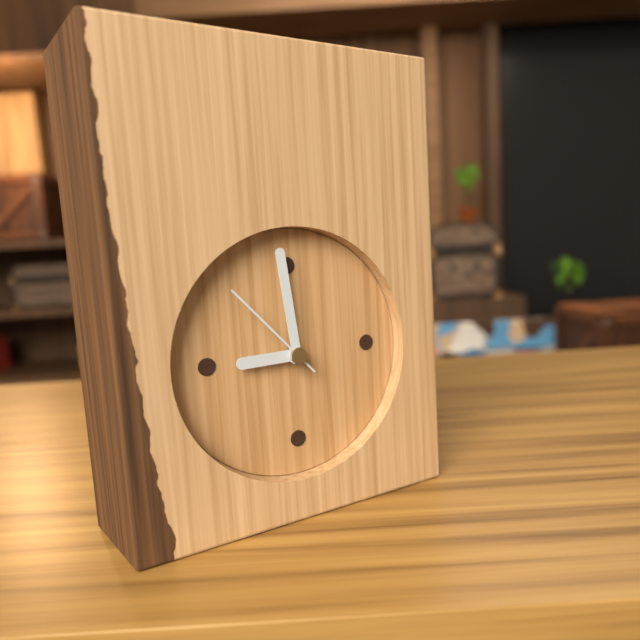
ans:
**8:59:53**
